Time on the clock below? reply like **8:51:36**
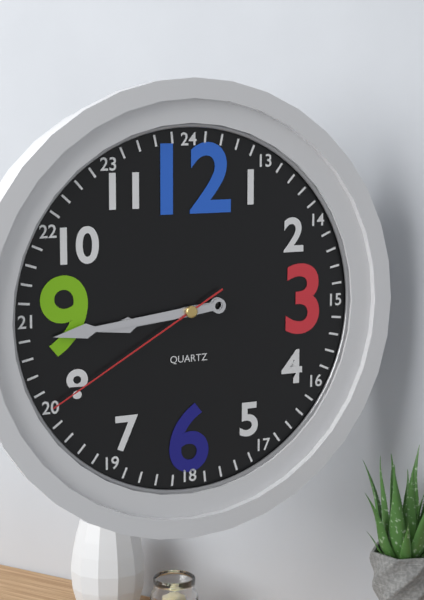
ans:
**8:44:40**
